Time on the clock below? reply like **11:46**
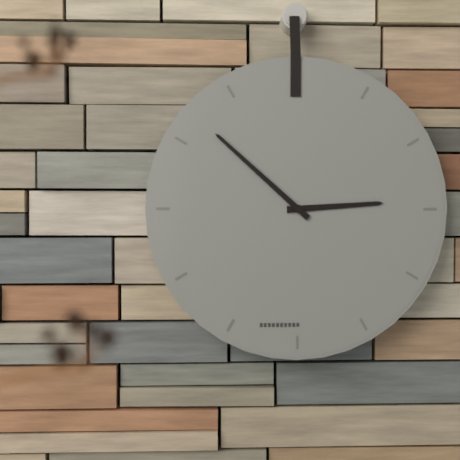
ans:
**2:52**
